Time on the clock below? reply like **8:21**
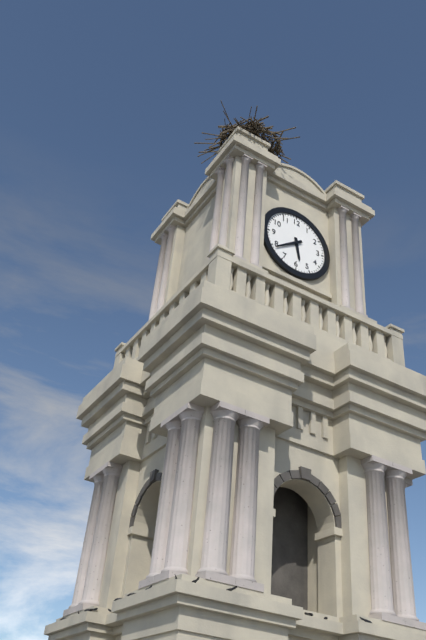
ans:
**5:39**
